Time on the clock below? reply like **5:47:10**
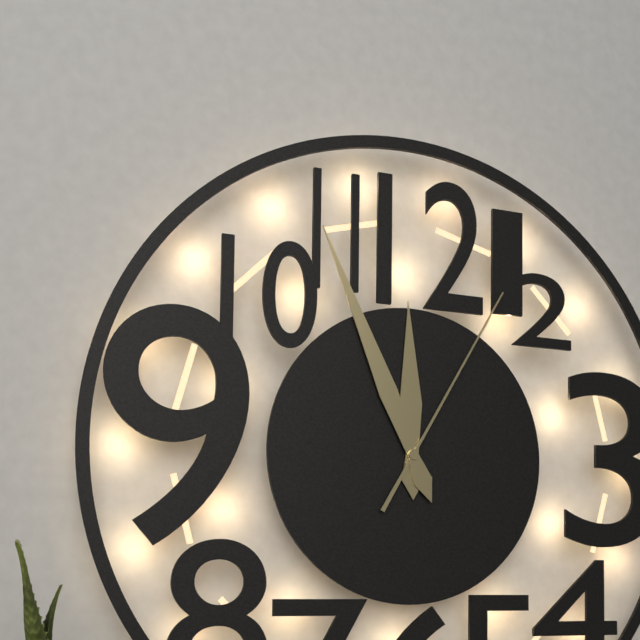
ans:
**11:56:05**
